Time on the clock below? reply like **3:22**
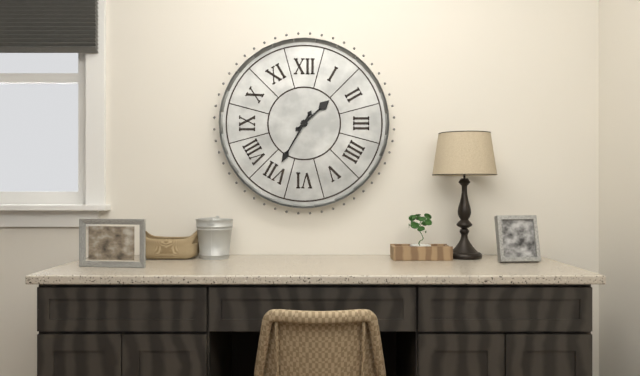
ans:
**1:35**
